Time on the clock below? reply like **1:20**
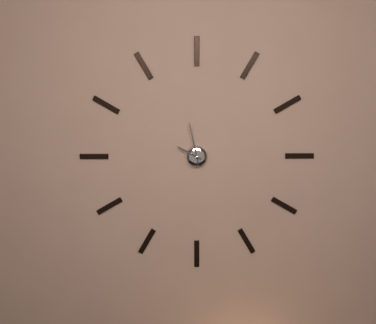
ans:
**9:58**
